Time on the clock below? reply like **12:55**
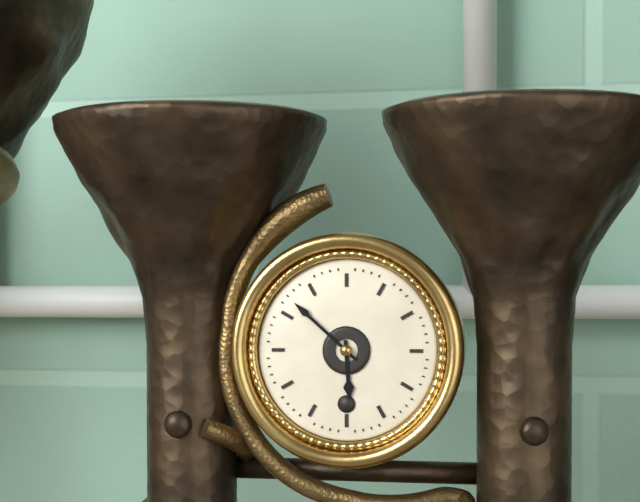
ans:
**5:52**
